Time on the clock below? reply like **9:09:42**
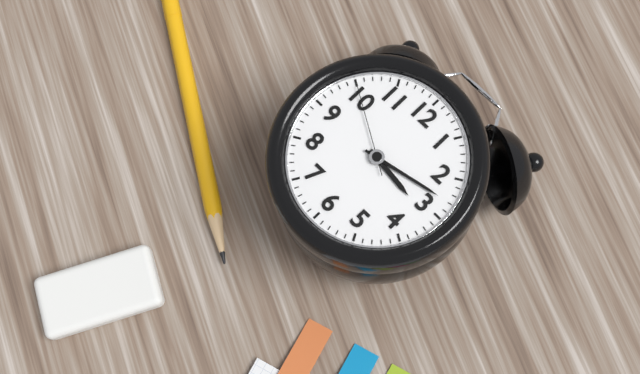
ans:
**3:13:50**
